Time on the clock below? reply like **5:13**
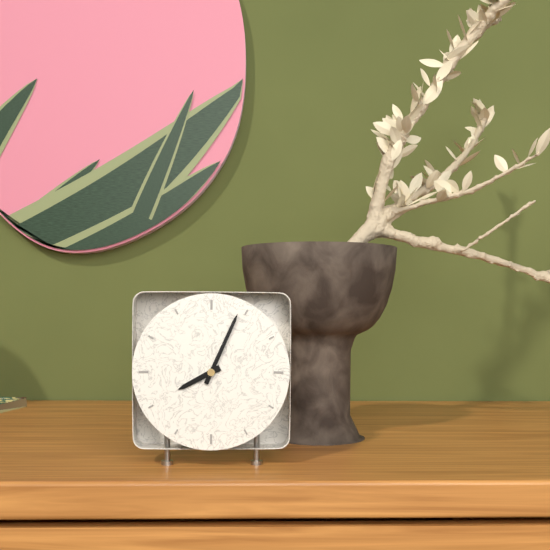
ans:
**8:04**
